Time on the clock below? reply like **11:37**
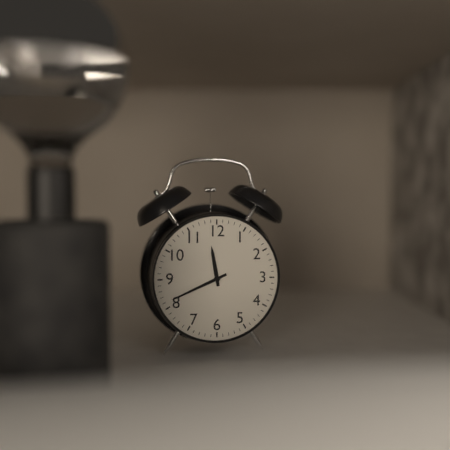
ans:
**11:41**
